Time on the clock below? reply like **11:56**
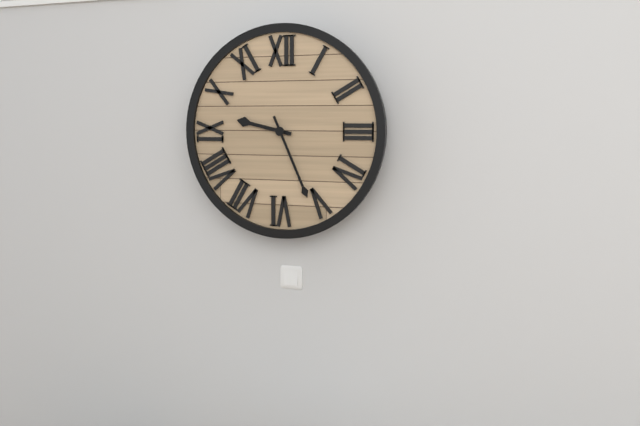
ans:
**9:26**
